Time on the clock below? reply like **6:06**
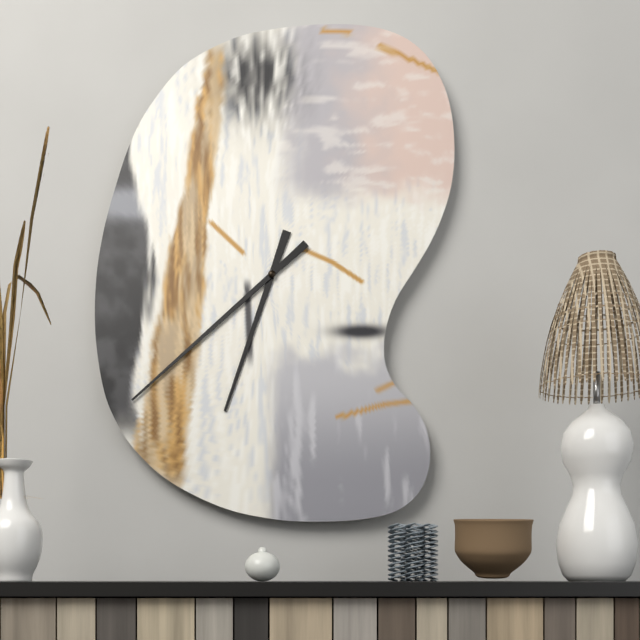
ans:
**6:38**
